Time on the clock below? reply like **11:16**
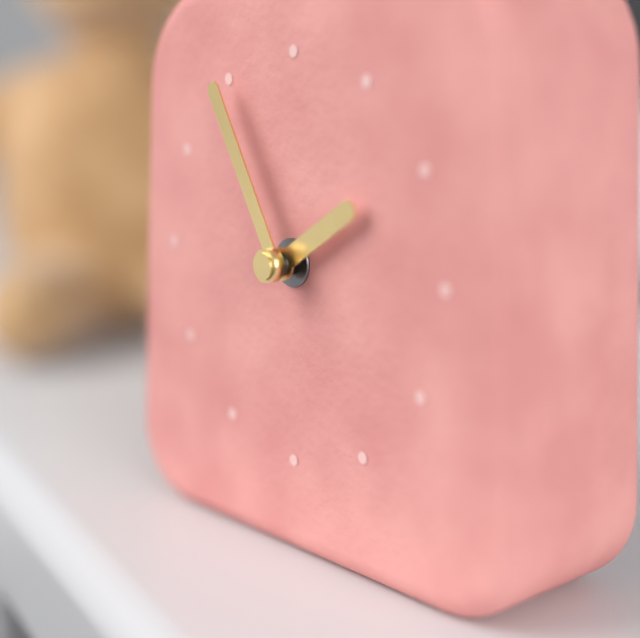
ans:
**1:55**
